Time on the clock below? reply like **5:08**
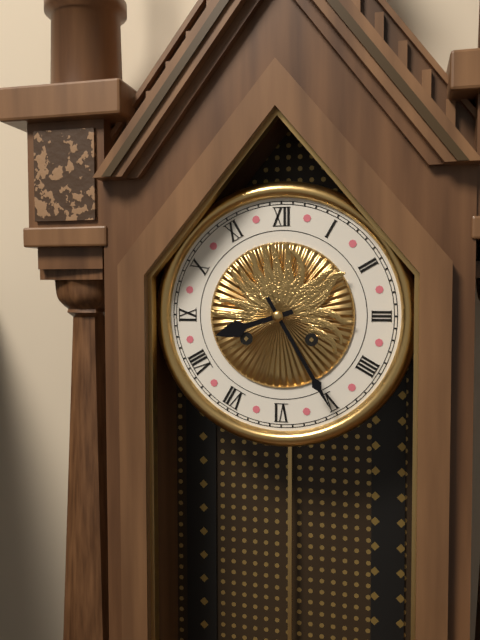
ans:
**8:25**
